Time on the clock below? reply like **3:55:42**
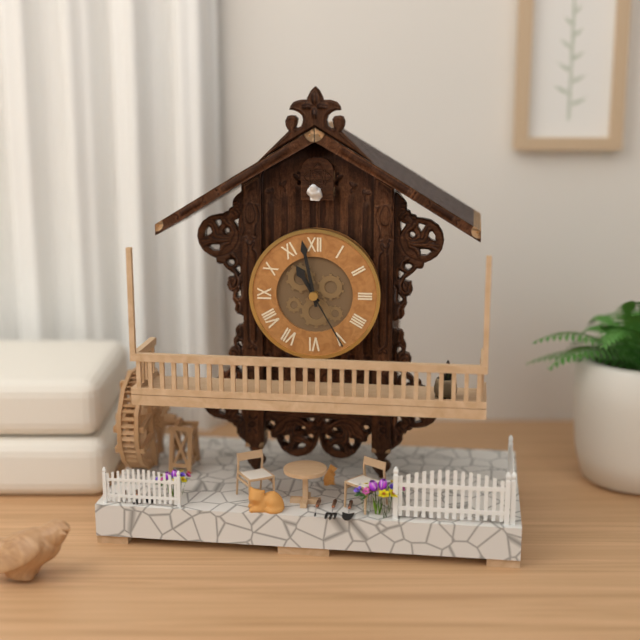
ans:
**10:58:25**
